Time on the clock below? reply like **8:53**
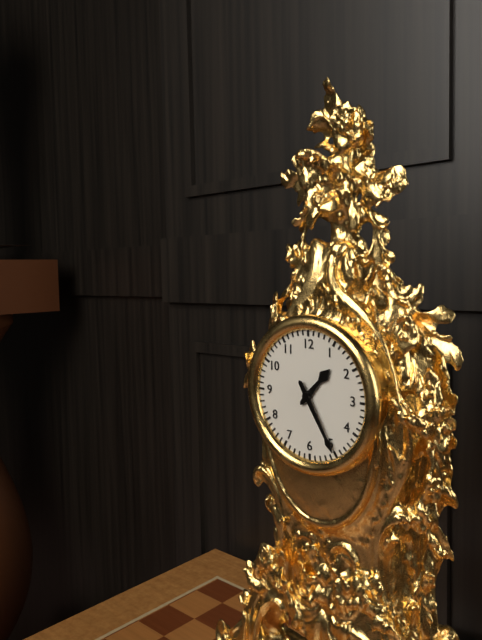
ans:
**1:25**
